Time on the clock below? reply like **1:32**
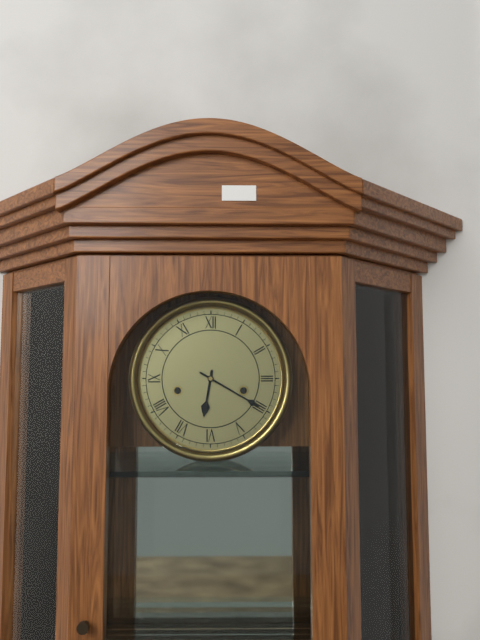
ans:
**6:20**
